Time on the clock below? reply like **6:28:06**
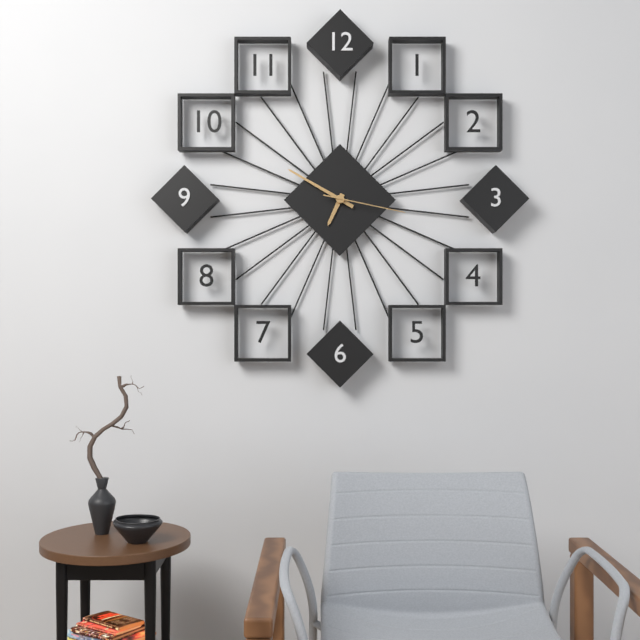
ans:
**6:50:17**
